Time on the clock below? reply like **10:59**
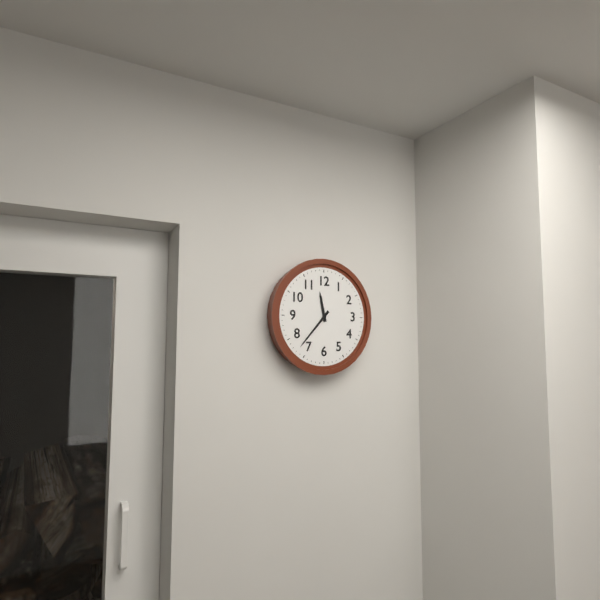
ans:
**11:37**
